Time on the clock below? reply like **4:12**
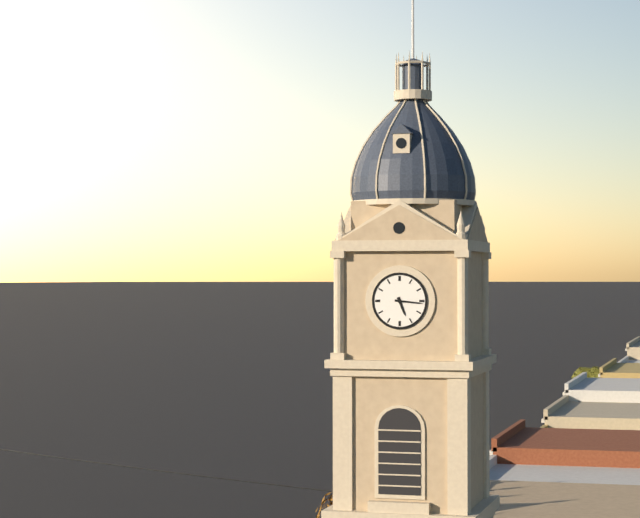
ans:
**5:16**
